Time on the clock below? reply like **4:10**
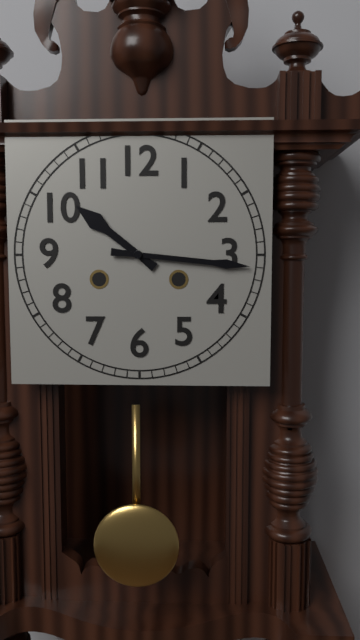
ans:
**10:16**
